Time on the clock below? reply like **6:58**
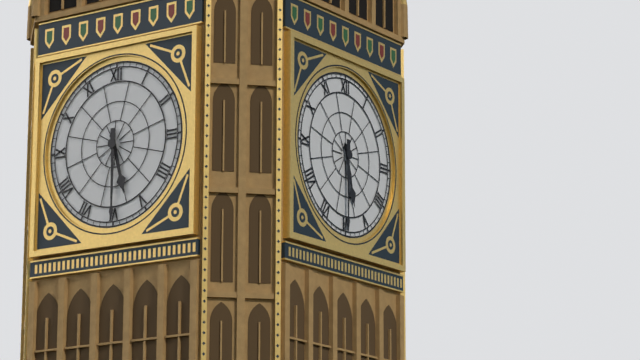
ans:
**5:30**
